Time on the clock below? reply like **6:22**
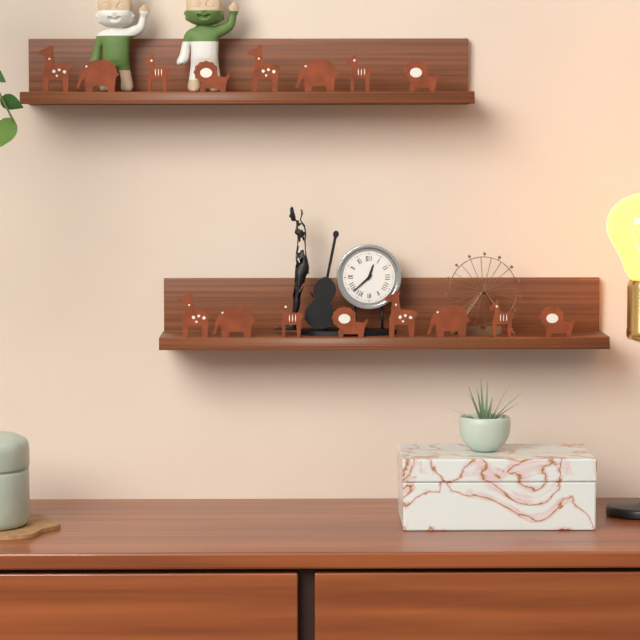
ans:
**12:38**
